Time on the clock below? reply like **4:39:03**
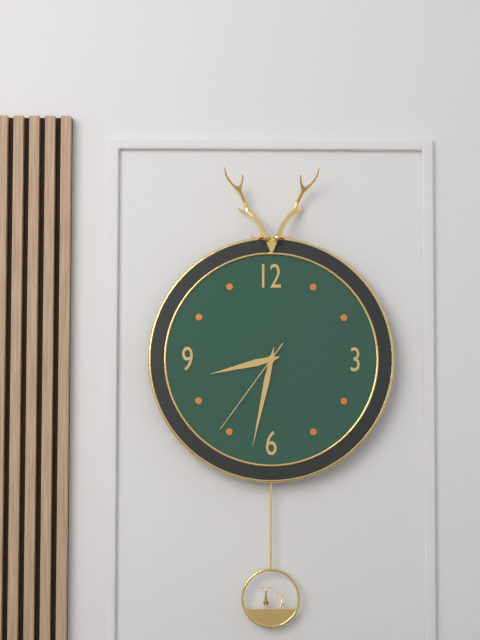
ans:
**8:32:36**
